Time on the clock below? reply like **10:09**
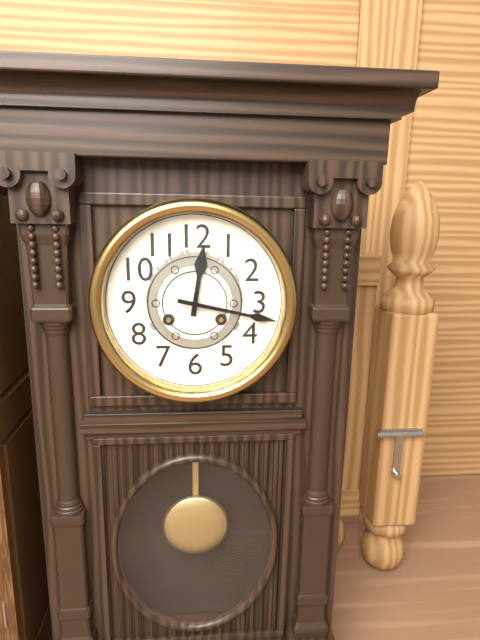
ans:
**12:17**
